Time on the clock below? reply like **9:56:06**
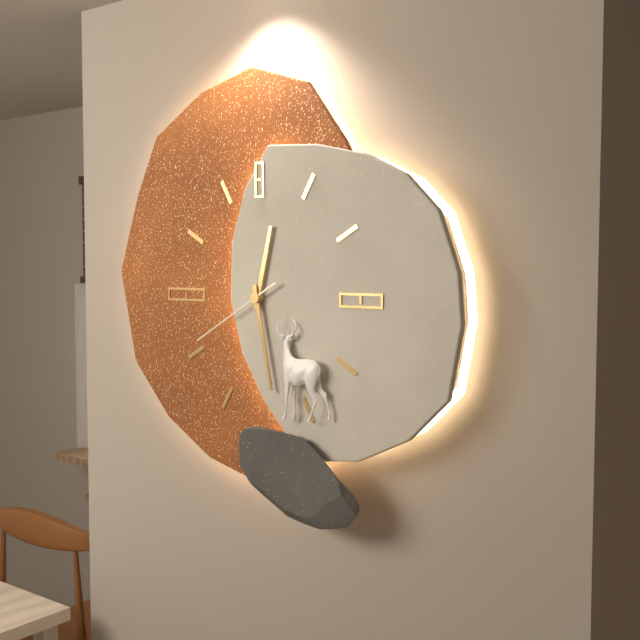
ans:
**12:28:40**
